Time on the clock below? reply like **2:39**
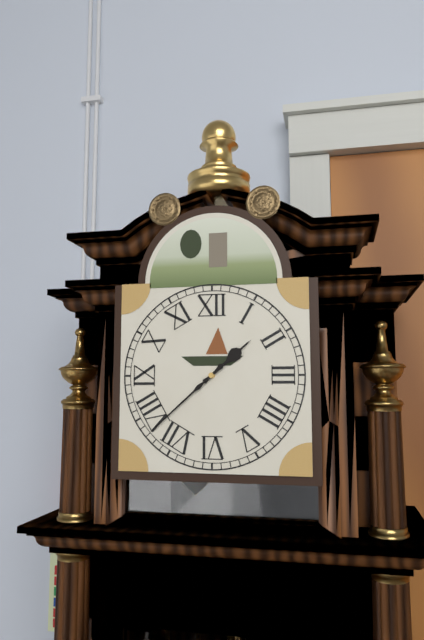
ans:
**1:38**
